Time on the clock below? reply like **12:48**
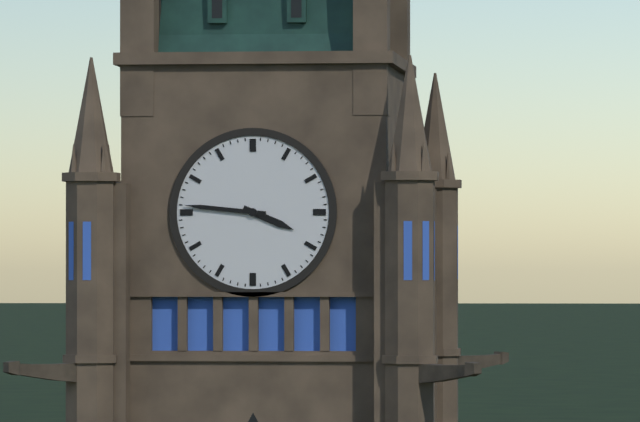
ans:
**3:46**
